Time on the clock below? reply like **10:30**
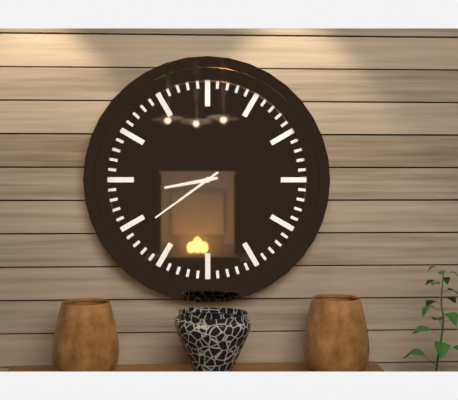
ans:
**8:39**
